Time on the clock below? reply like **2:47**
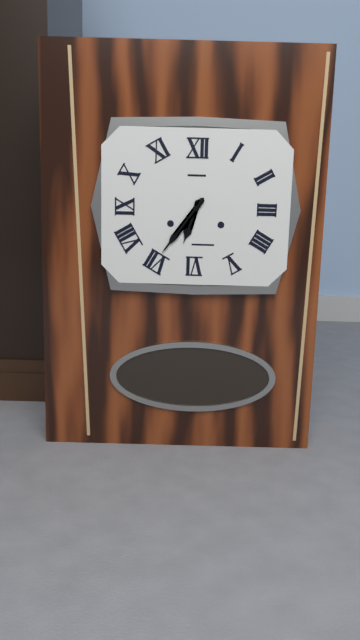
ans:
**6:36**
